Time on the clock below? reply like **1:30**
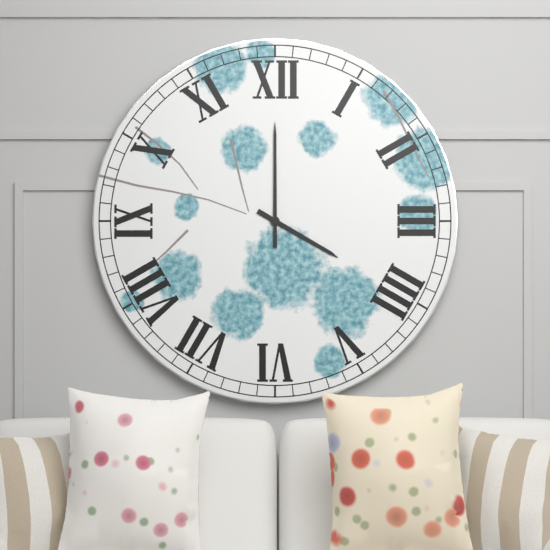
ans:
**4:00**
